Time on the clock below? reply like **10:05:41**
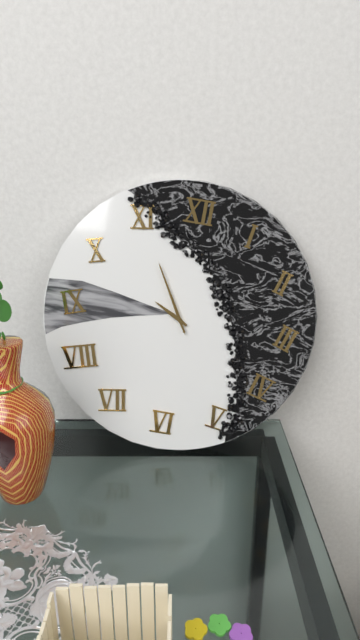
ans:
**9:55:55**
